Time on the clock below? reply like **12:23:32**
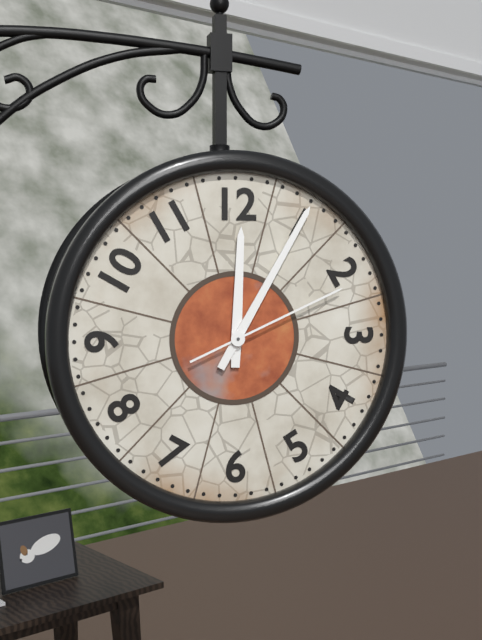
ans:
**12:05:11**
